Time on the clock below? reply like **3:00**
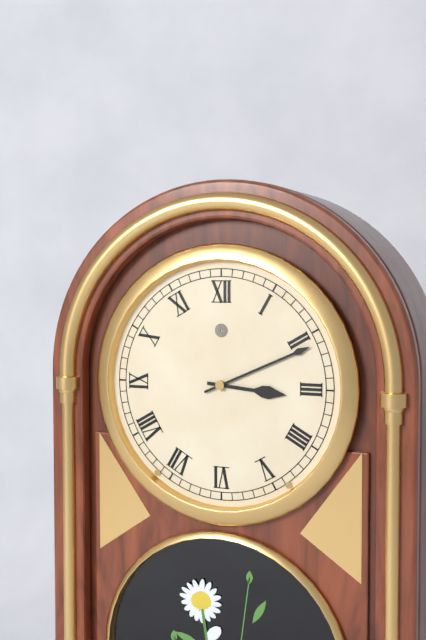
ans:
**3:11**
